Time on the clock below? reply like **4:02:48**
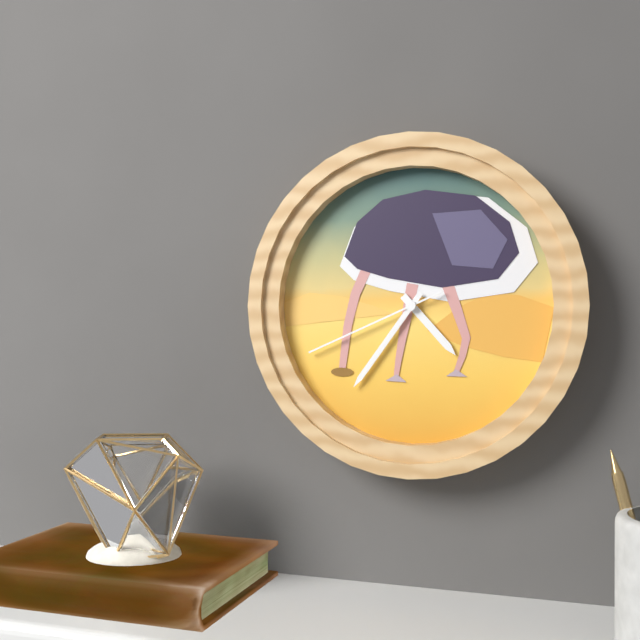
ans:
**4:36:41**
